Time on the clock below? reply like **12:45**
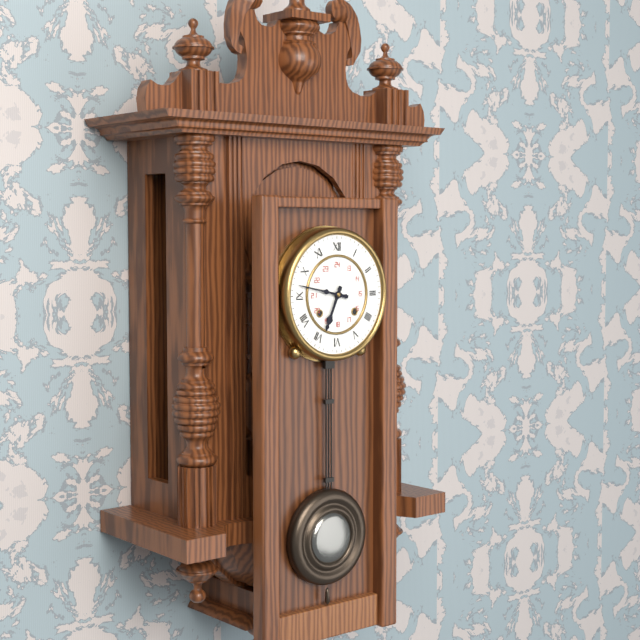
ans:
**6:47**
